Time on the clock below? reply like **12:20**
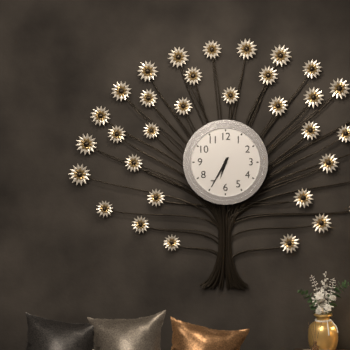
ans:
**6:35**
